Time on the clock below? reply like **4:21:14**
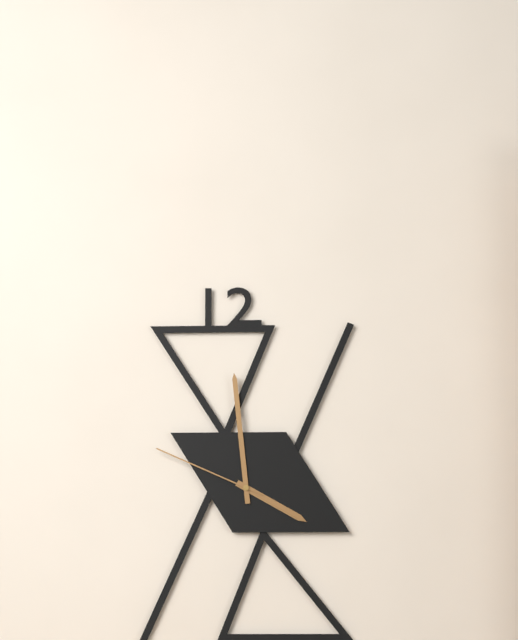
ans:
**3:59:49**
